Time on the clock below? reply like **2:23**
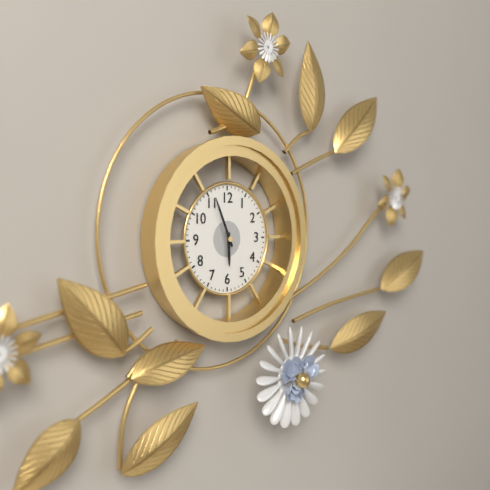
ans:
**5:56**
